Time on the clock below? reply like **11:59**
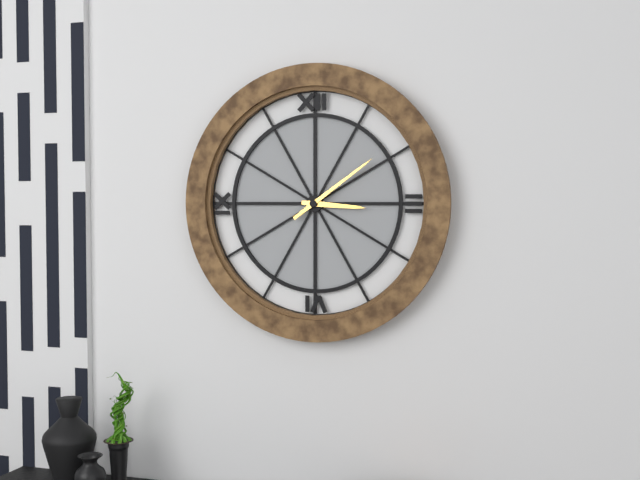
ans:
**3:09**
